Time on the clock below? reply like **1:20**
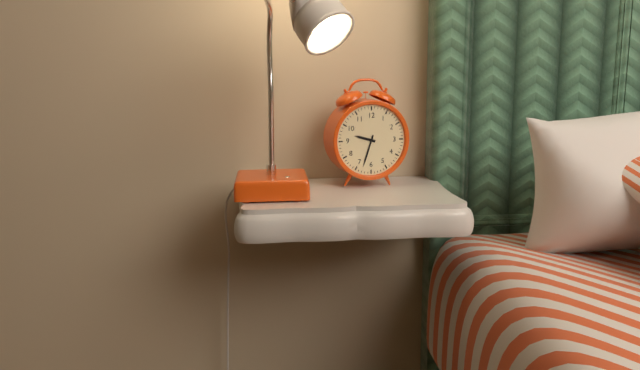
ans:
**9:33**
